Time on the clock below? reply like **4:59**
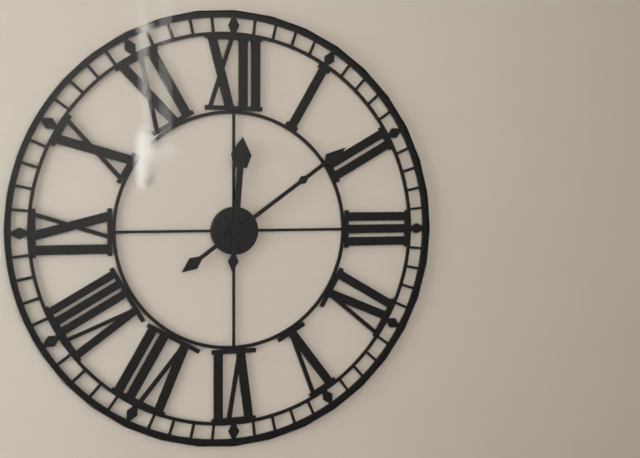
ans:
**12:09**
